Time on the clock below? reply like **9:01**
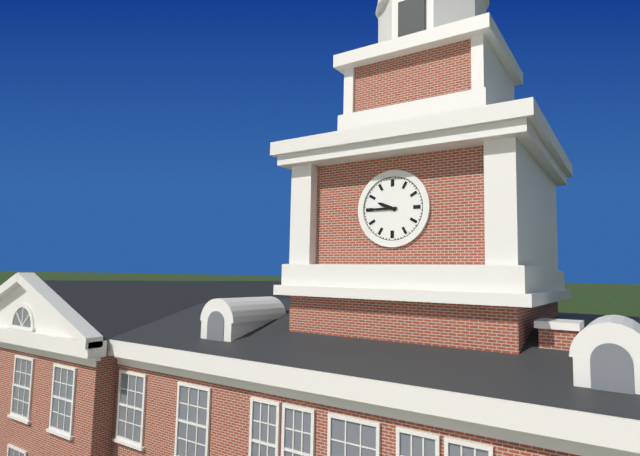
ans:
**9:45**
